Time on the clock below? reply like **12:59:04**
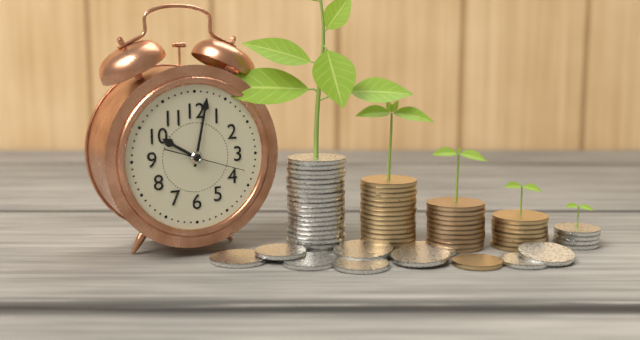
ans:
**10:02:18**
